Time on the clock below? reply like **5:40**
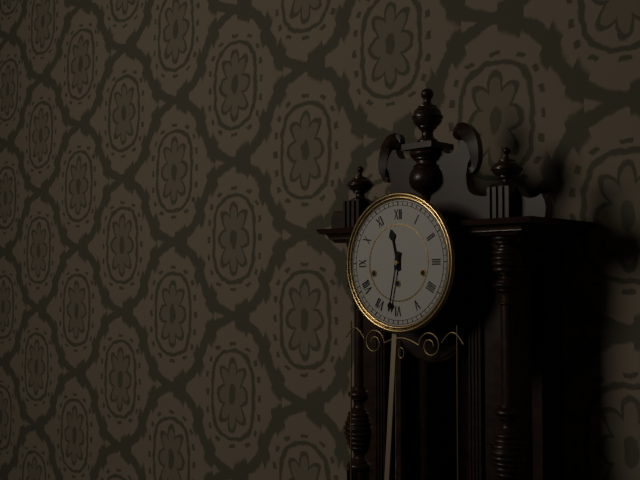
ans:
**11:32**
